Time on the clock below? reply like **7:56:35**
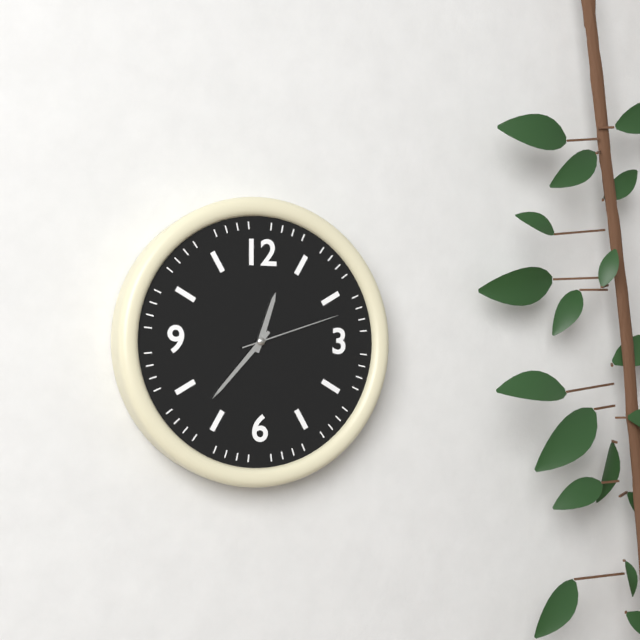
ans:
**12:37:12**
